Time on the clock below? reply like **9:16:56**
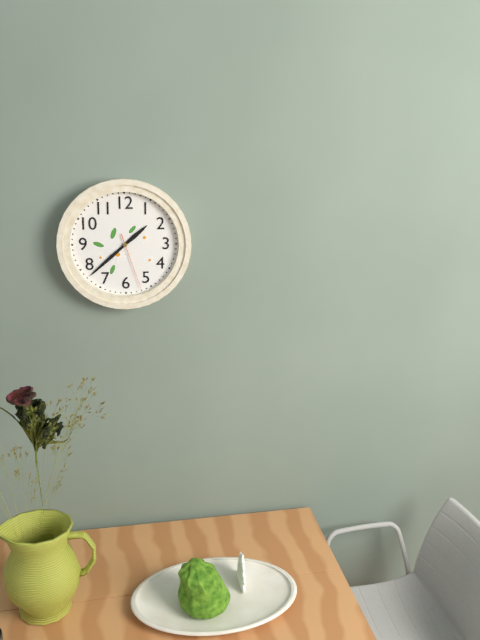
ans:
**1:38:27**
